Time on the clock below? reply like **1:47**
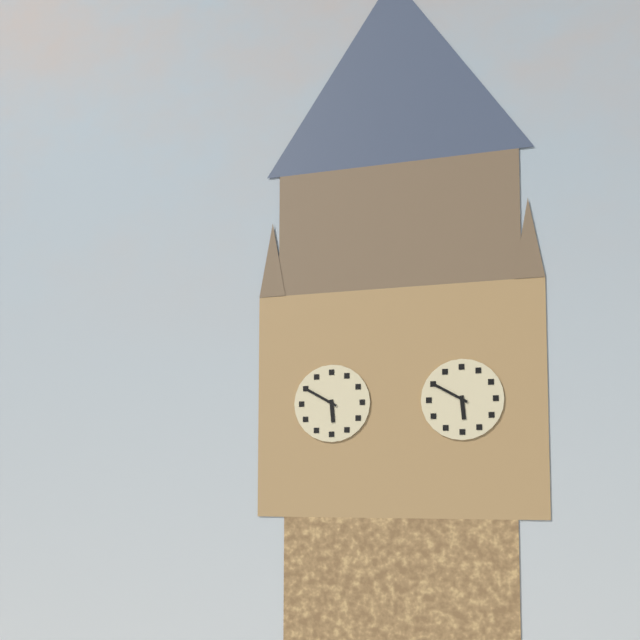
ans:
**5:50**
